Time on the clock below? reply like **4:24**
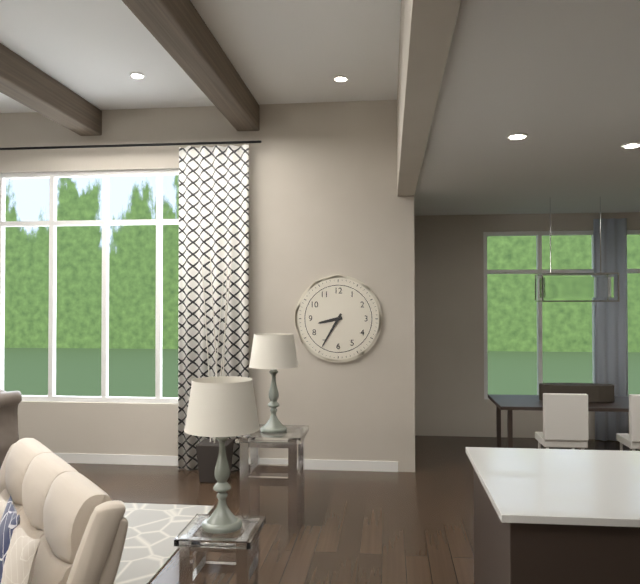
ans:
**8:35**
